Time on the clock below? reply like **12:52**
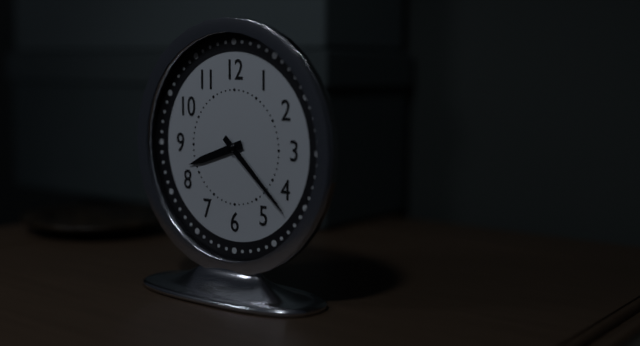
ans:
**8:22**
